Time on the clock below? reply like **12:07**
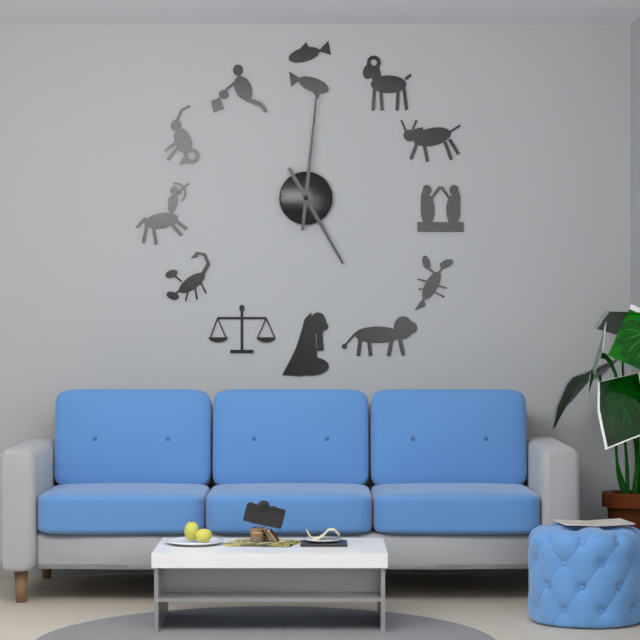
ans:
**5:01**
